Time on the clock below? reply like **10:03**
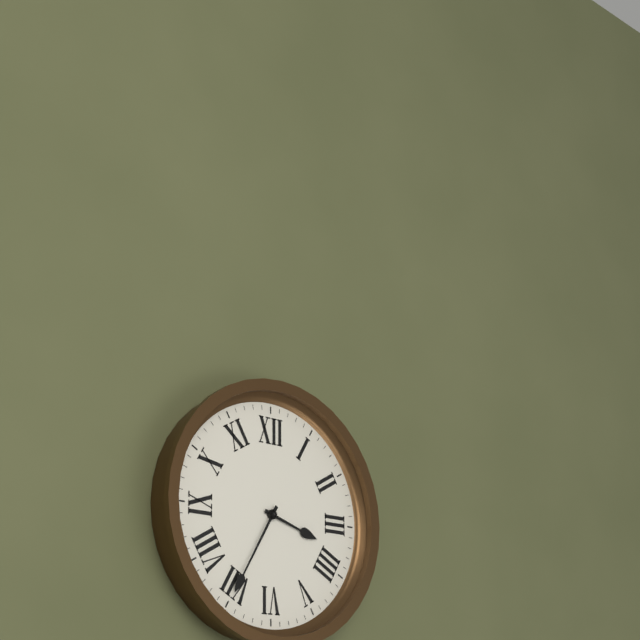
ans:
**3:35**
